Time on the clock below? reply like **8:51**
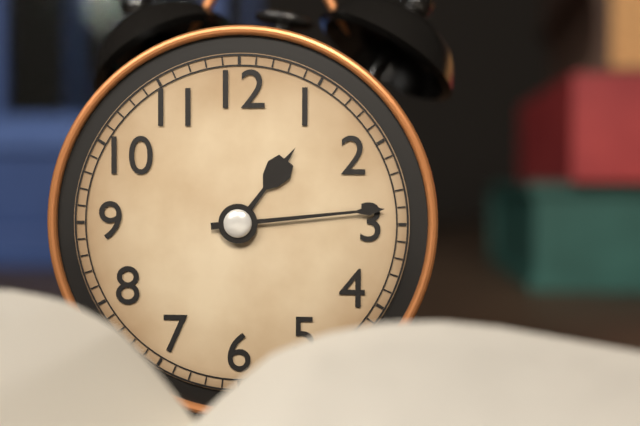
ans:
**1:14**
